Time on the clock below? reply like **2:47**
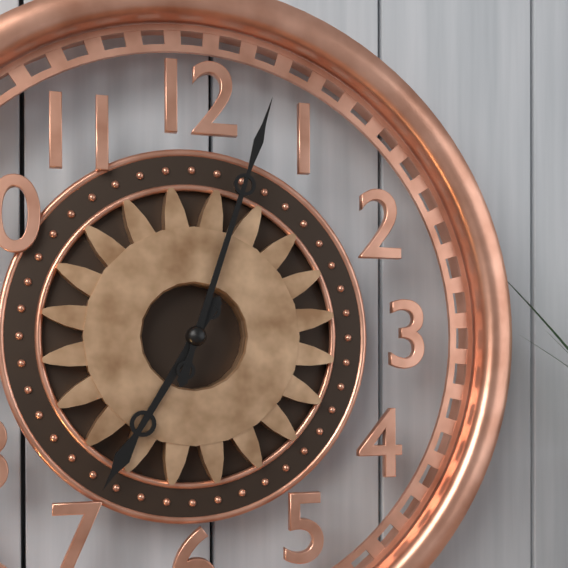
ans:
**7:03**
